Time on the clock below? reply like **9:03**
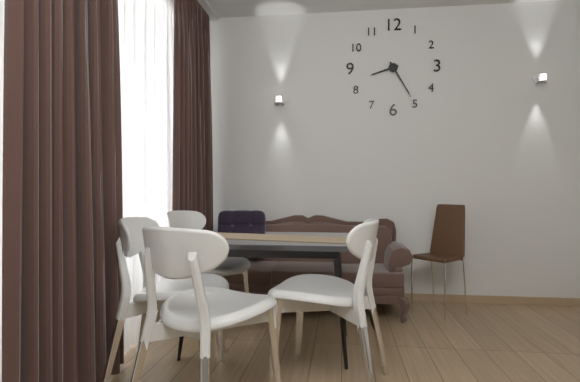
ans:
**8:25**
